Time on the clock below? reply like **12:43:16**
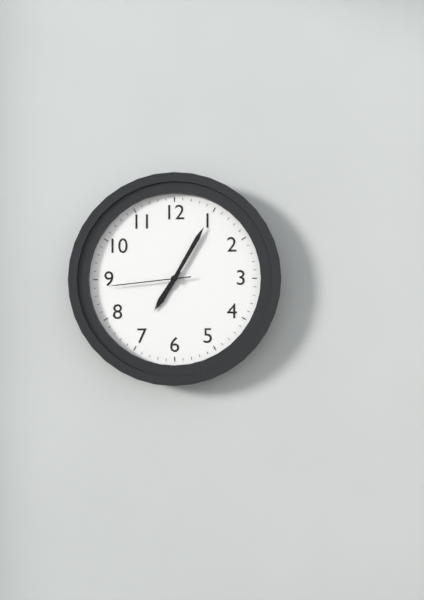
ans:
**7:05:44**
